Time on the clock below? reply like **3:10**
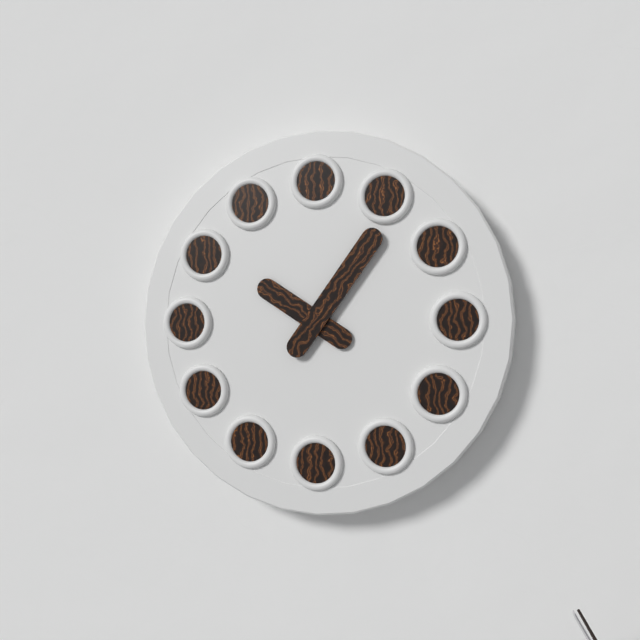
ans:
**10:06**
